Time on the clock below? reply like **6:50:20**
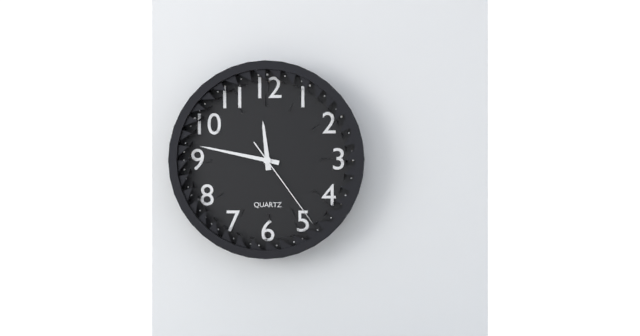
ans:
**11:47:24**
